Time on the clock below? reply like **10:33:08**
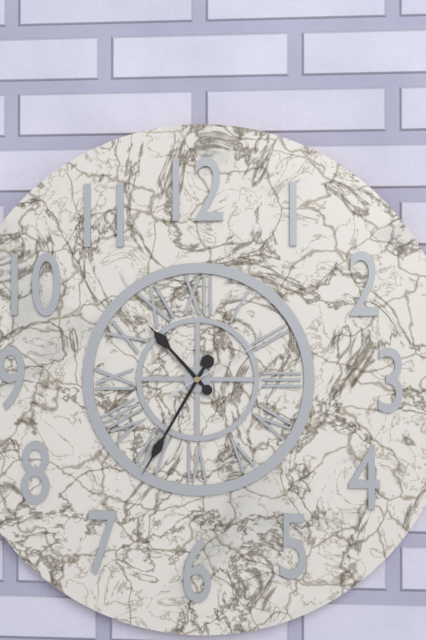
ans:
**10:35:10**
